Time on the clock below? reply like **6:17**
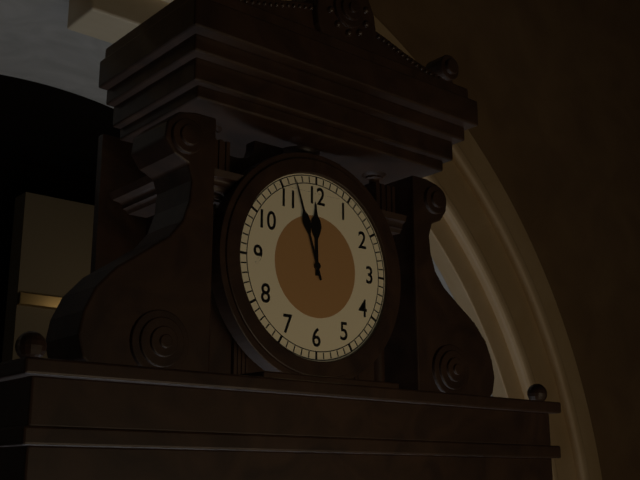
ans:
**11:57**
